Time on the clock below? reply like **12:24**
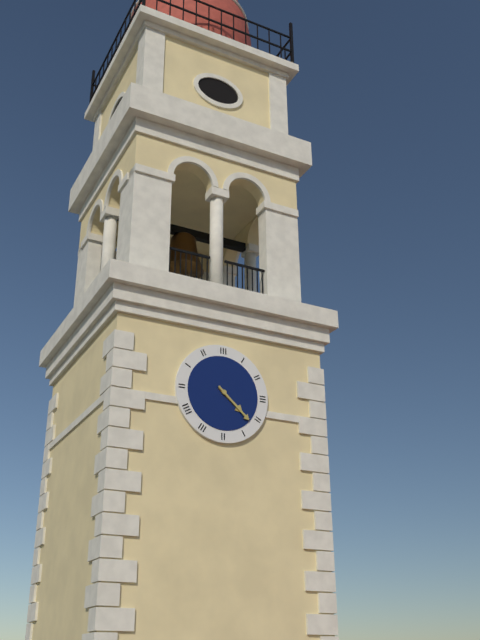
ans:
**4:22**
